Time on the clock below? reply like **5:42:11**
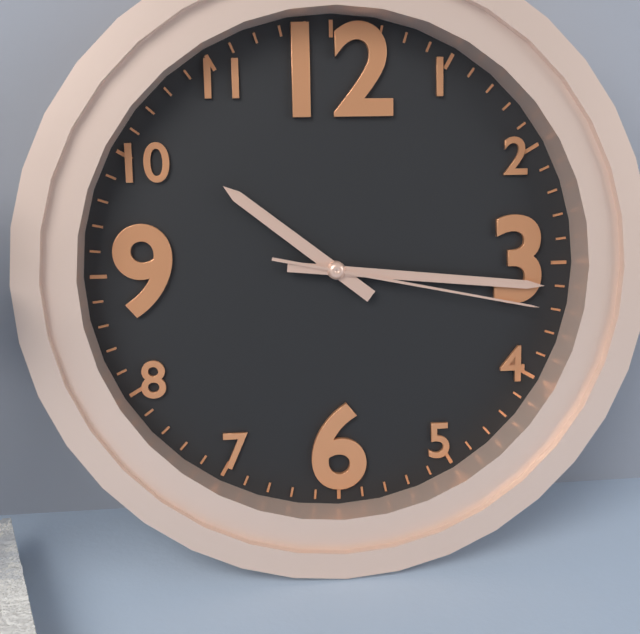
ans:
**10:16:17**
